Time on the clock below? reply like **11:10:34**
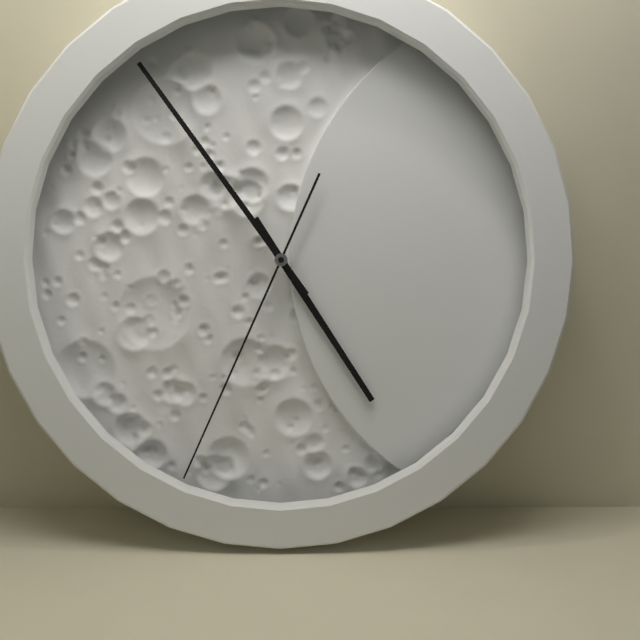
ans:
**4:54:34**
